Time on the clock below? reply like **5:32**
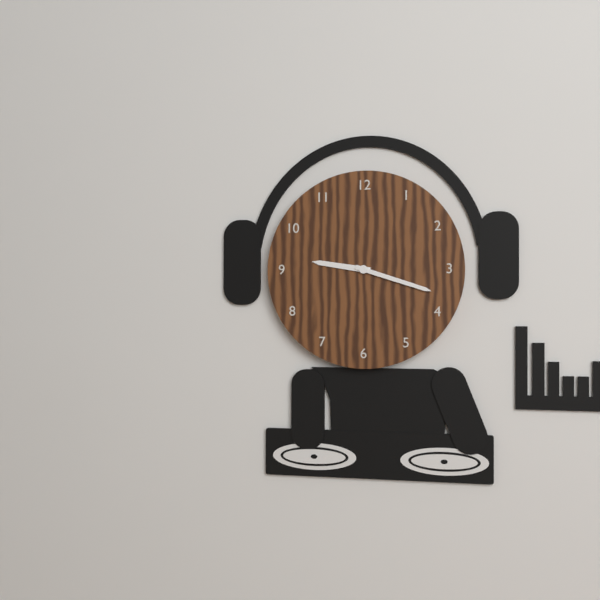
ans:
**9:18**
